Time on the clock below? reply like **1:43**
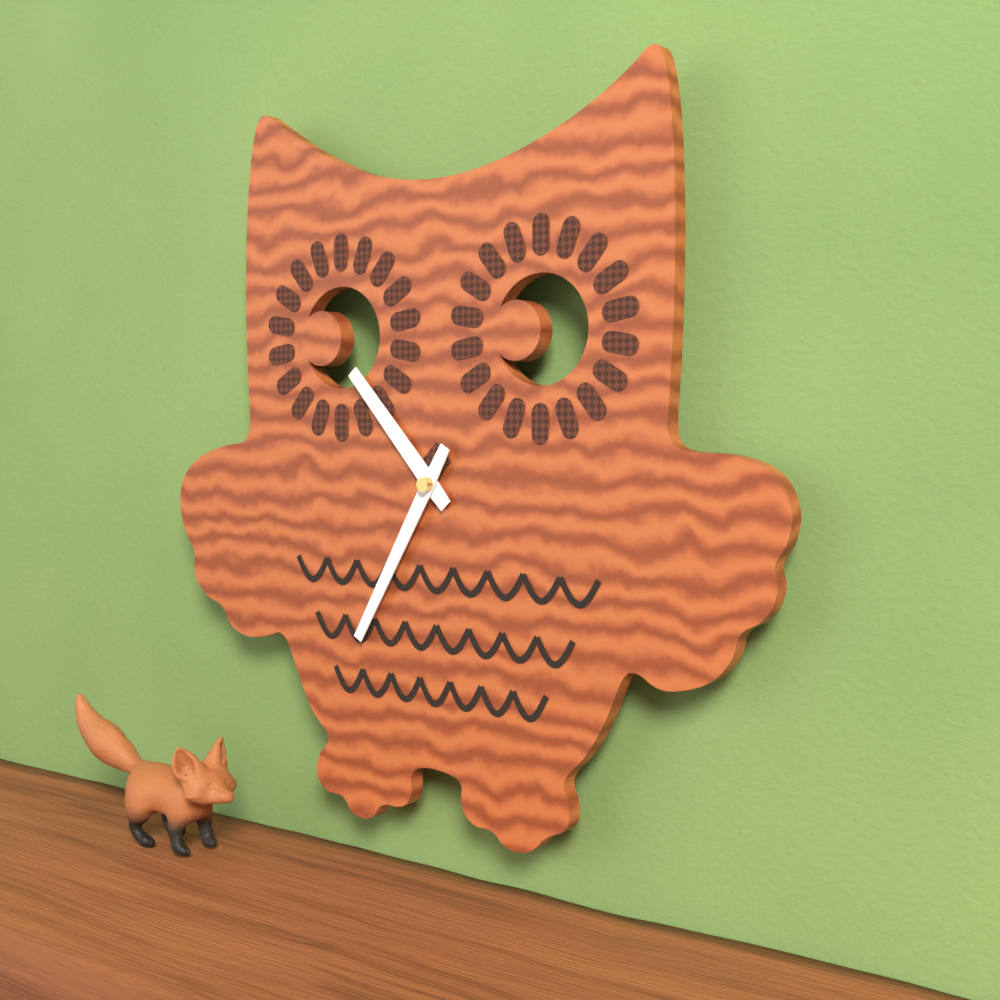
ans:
**10:35**
